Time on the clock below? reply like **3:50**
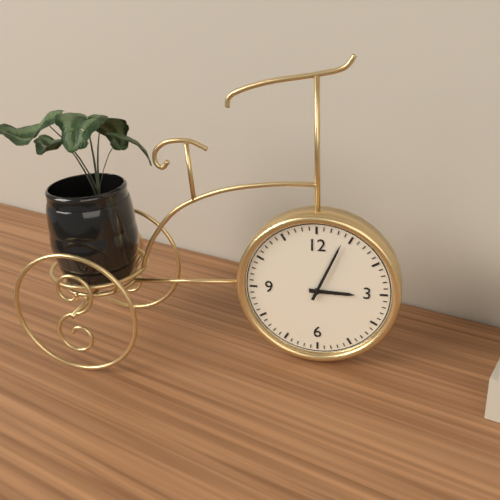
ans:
**3:04**
